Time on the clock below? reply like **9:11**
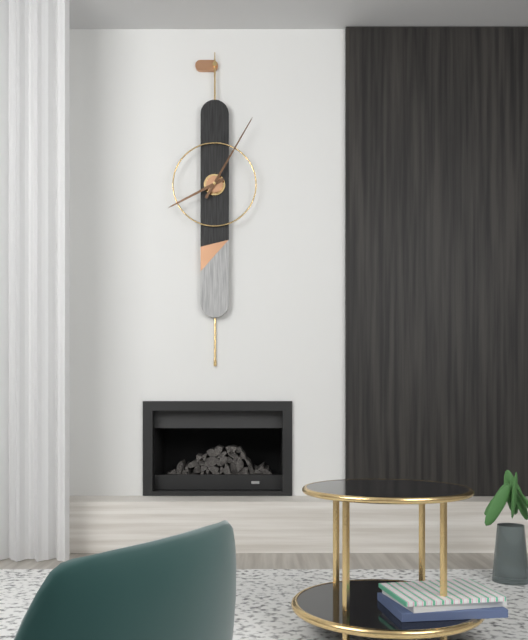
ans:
**8:05**
